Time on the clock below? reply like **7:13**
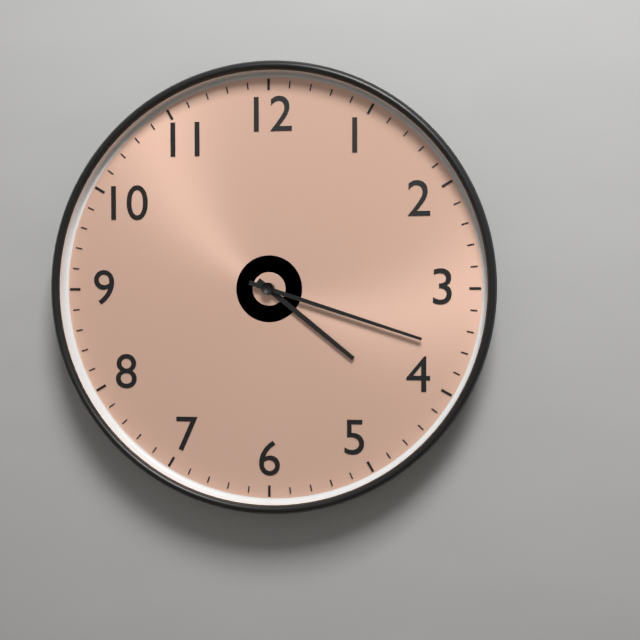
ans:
**4:18**
